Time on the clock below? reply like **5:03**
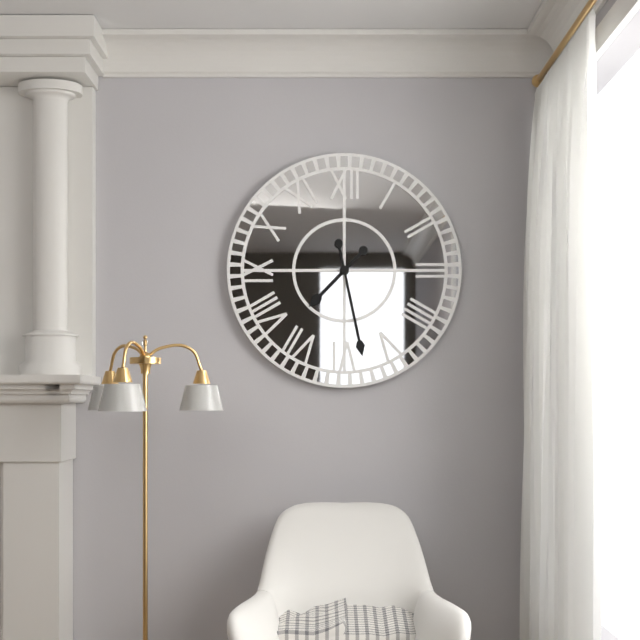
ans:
**7:28**
